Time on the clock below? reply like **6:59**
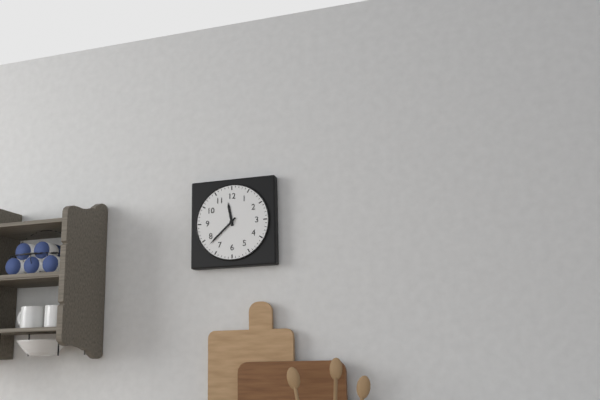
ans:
**11:38**
